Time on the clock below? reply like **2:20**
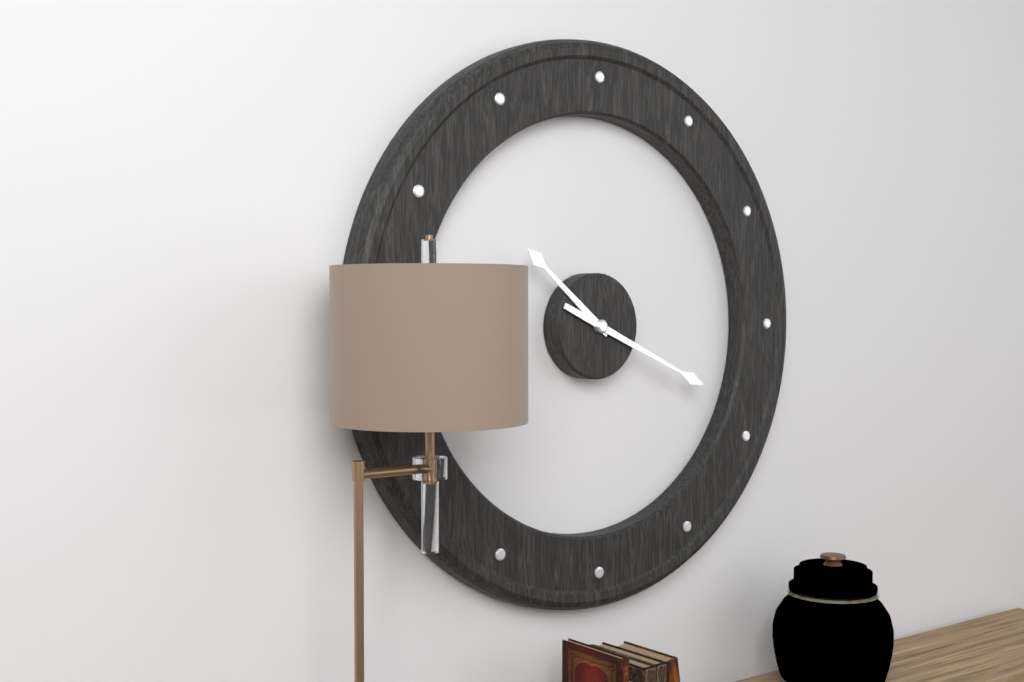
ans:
**10:19**
